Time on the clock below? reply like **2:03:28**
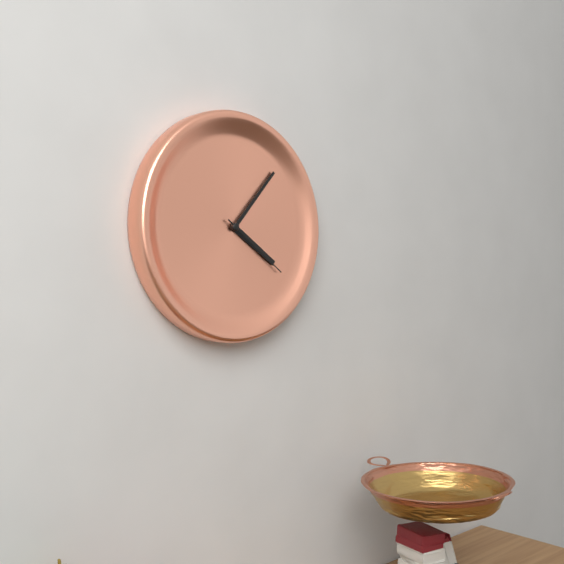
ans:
**4:07:21**
